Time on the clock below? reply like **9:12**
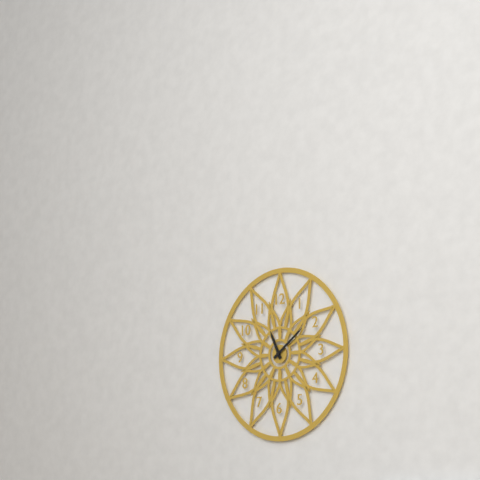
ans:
**11:09**
